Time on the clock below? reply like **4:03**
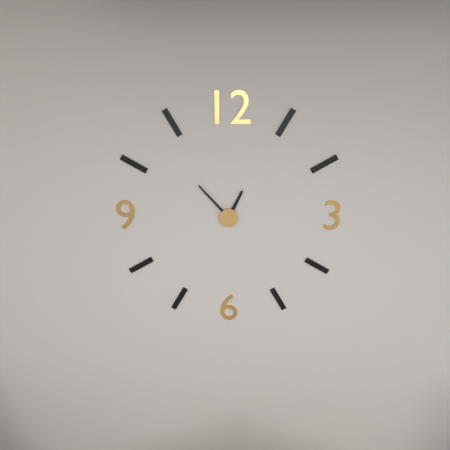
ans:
**12:53**
